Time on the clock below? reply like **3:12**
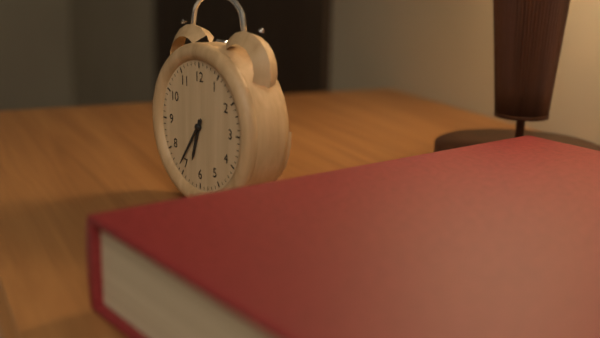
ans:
**6:36**
